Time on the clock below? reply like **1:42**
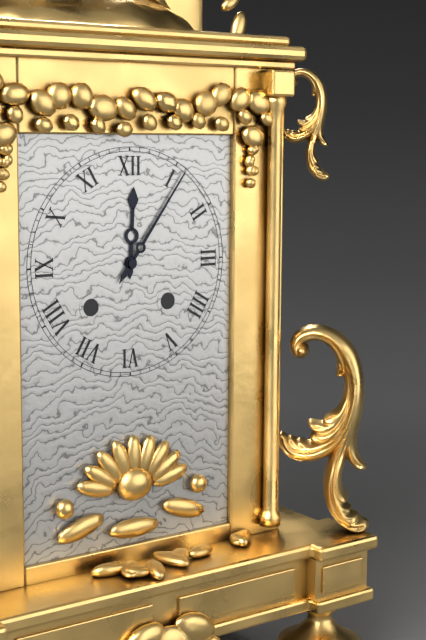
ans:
**12:06**
